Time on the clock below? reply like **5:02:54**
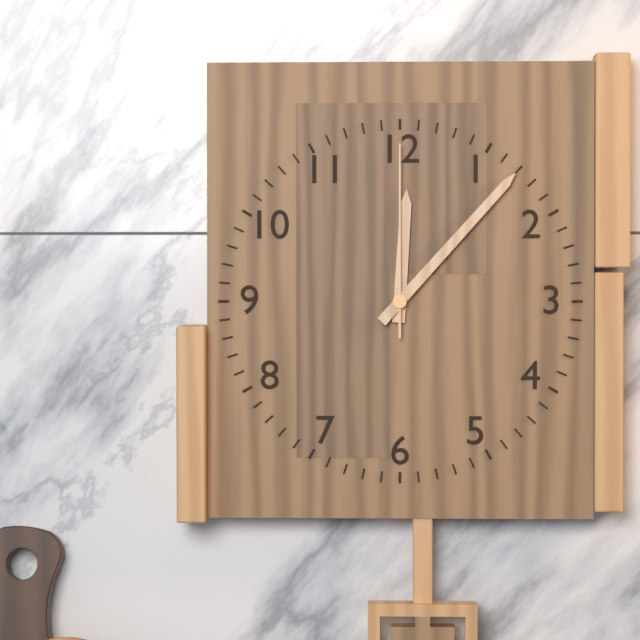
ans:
**12:07:00**
